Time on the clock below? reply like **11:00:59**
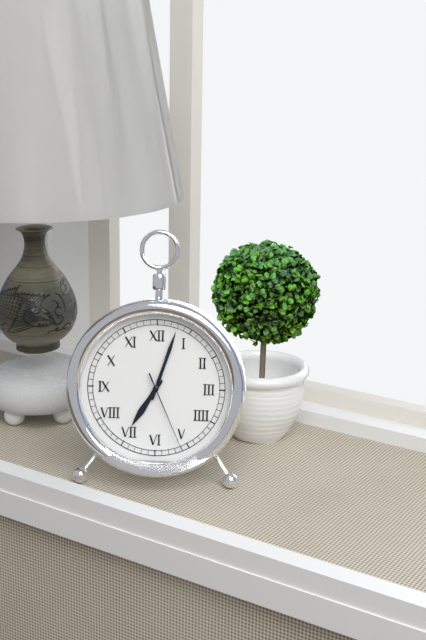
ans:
**7:03:26**
